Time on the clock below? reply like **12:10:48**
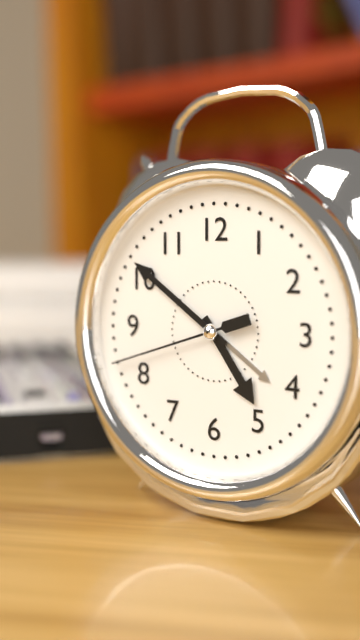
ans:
**4:51:42**
